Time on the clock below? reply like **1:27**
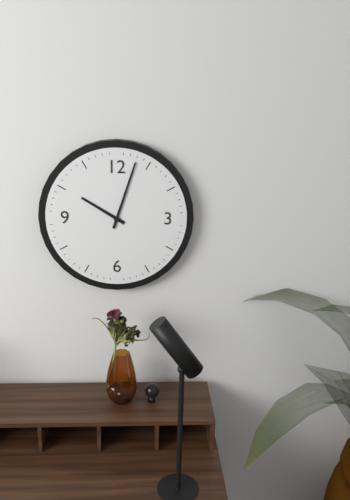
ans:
**10:03**
